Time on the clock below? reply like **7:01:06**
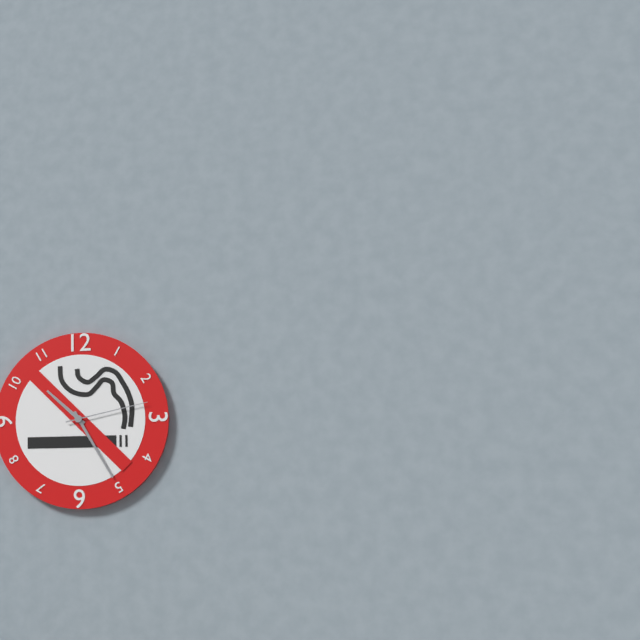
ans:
**10:25:13**
